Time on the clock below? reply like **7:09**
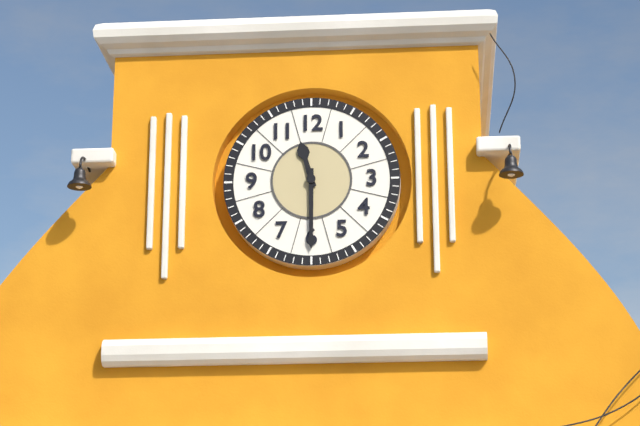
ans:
**11:30**
